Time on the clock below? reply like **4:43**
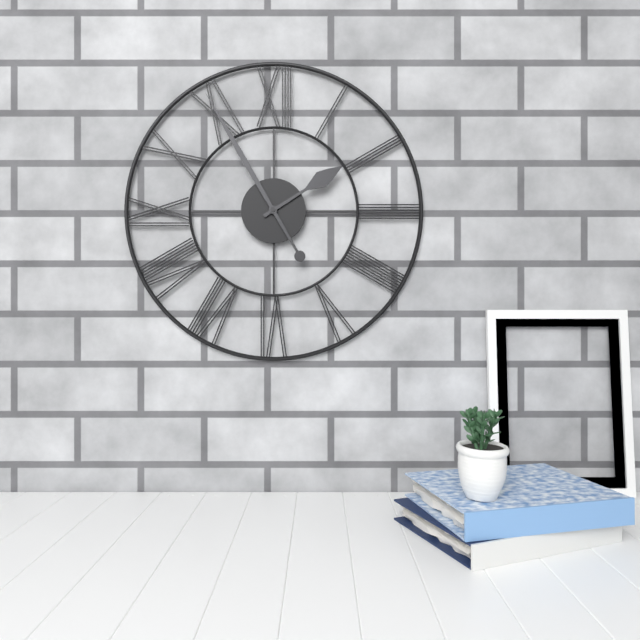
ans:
**1:55**
